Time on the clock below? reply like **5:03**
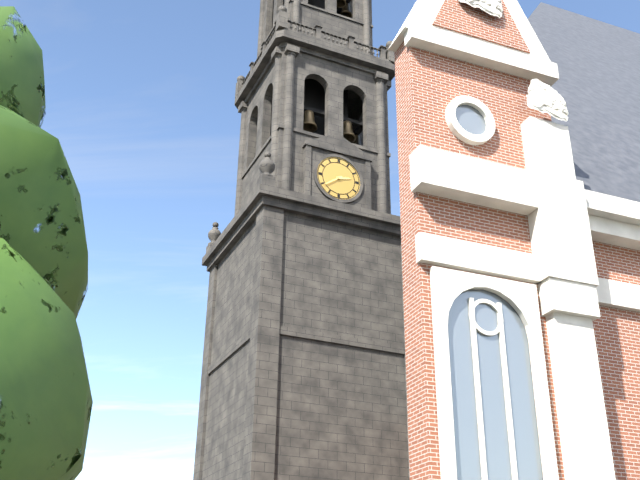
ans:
**2:39**
